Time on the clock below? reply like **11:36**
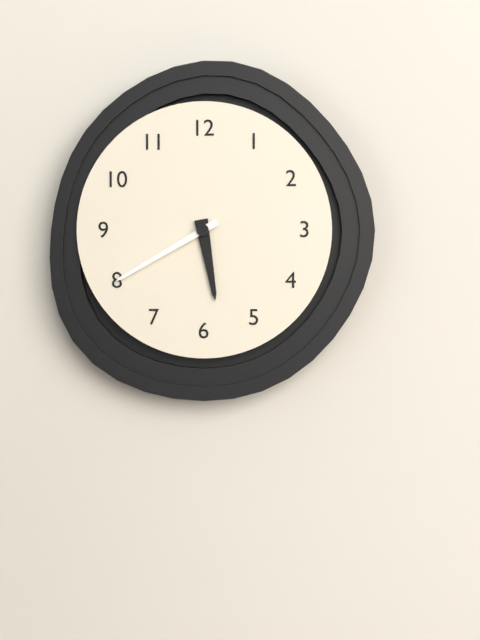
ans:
**5:40**
